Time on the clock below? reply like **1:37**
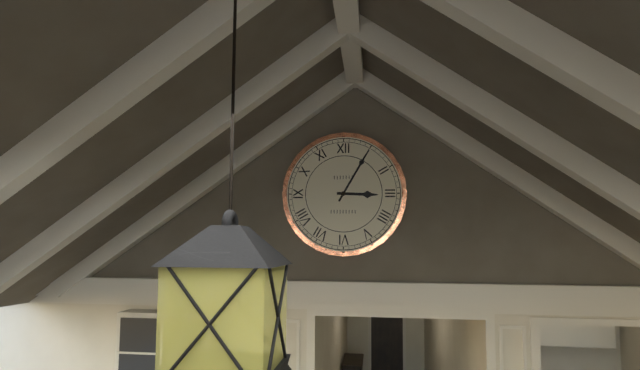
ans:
**3:05**
